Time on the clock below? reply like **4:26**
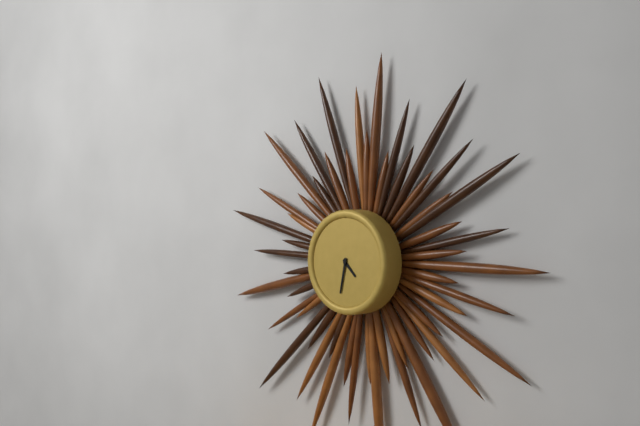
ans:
**4:32**
